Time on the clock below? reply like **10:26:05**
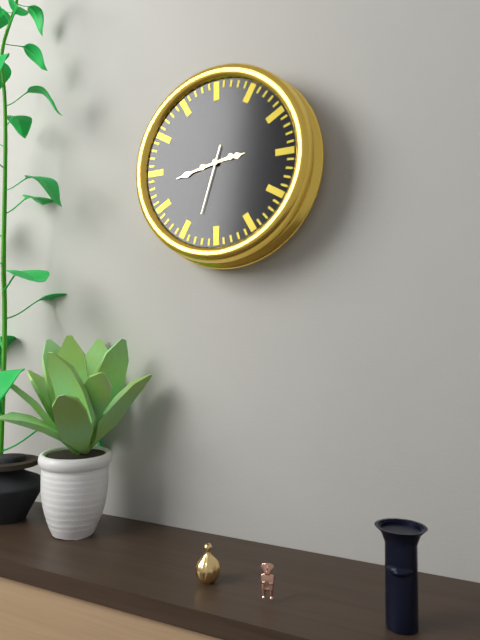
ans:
**2:43:33**
